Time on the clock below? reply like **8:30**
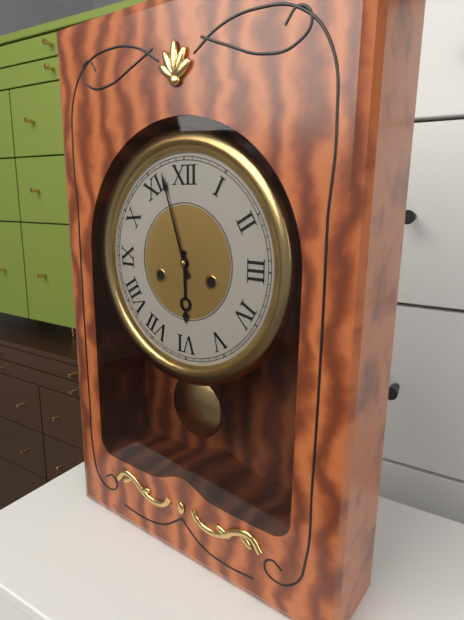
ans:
**5:57**
